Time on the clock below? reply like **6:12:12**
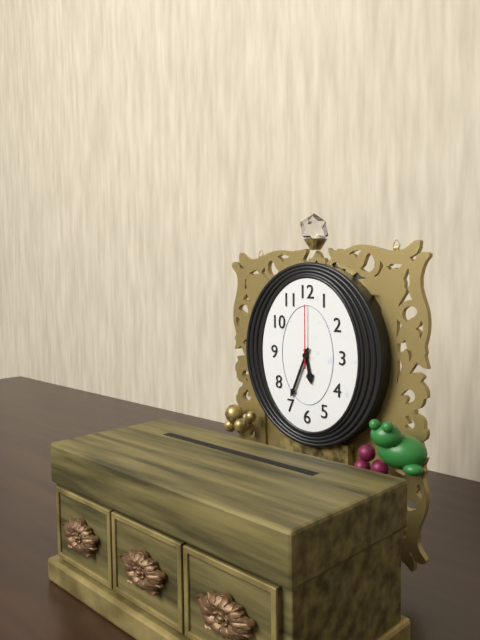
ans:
**5:34:00**
